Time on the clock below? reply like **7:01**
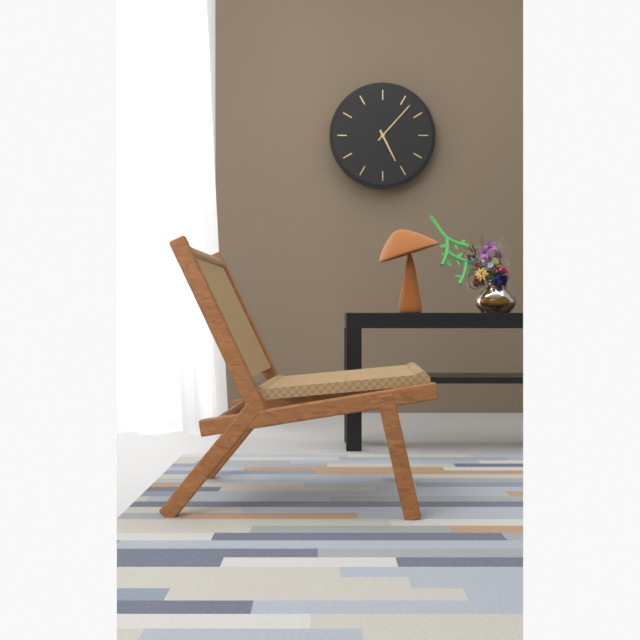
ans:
**5:07**
